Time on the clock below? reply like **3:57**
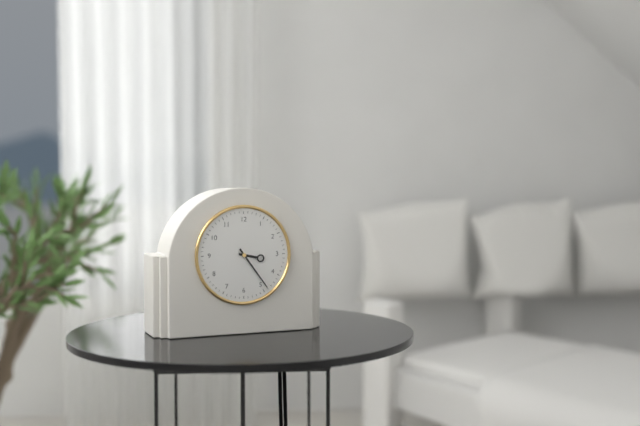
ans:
**3:24**
